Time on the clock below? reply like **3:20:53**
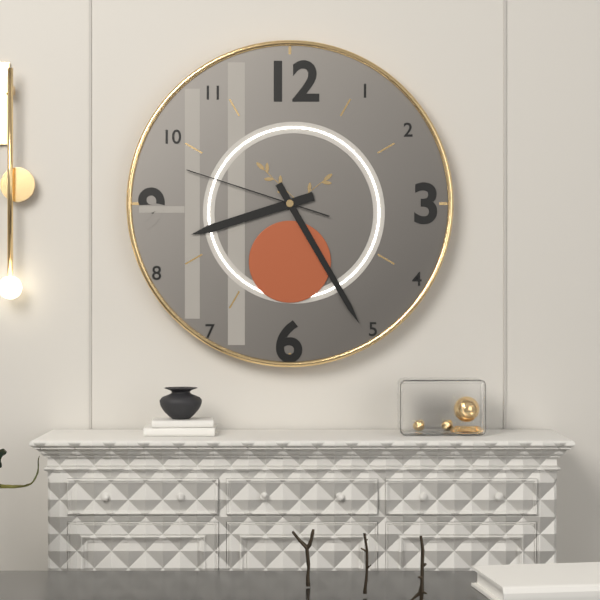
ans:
**8:25:48**
